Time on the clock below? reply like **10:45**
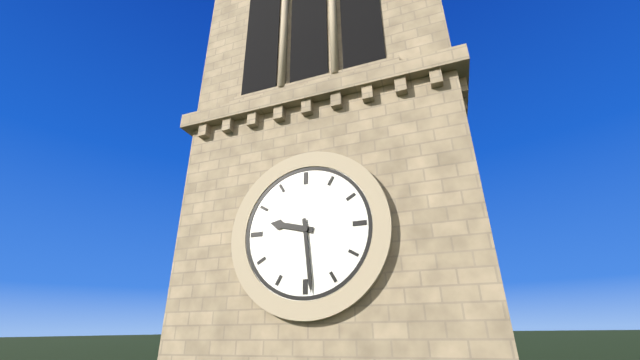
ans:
**9:29**
